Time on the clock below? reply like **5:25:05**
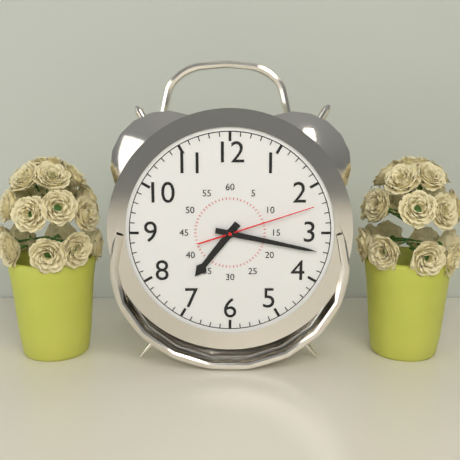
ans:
**7:17:12**
